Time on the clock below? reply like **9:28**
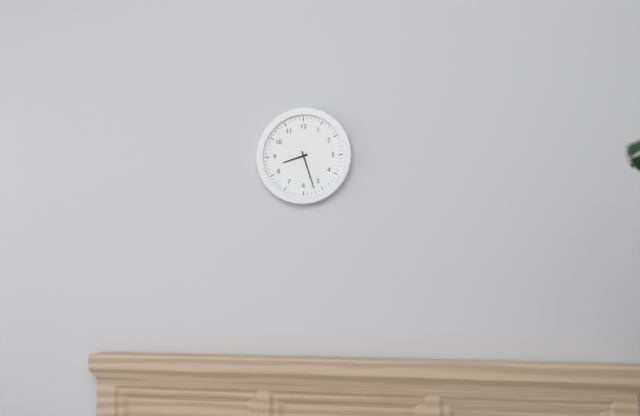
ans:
**8:27**
